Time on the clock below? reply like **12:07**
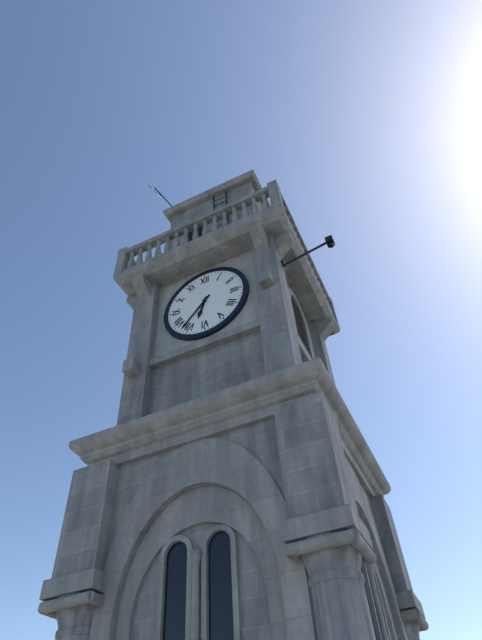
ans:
**6:37**
